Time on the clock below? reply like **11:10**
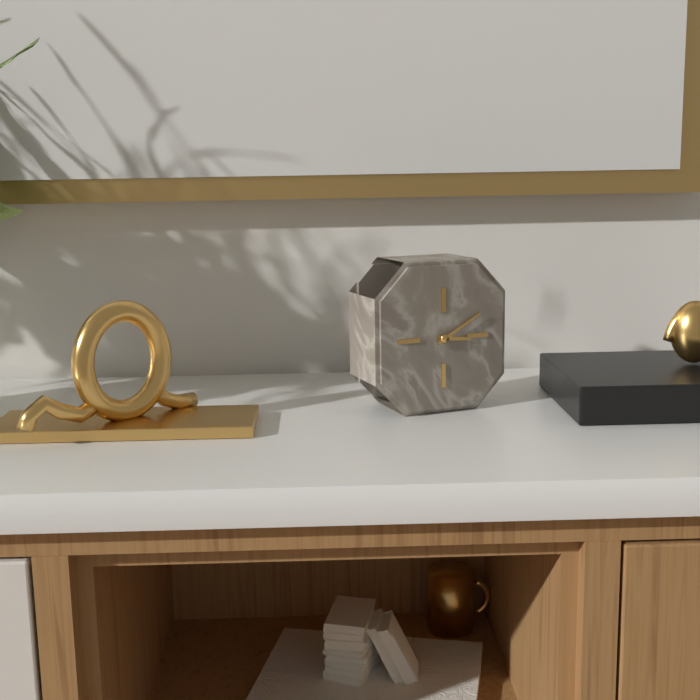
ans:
**3:10**
